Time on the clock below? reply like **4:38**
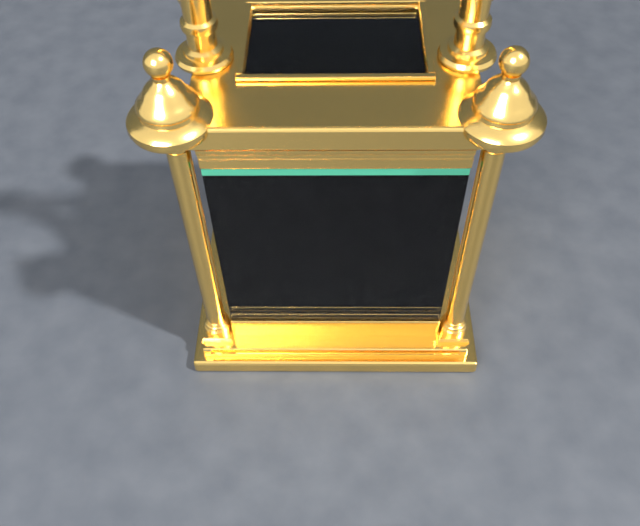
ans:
**2:42**
